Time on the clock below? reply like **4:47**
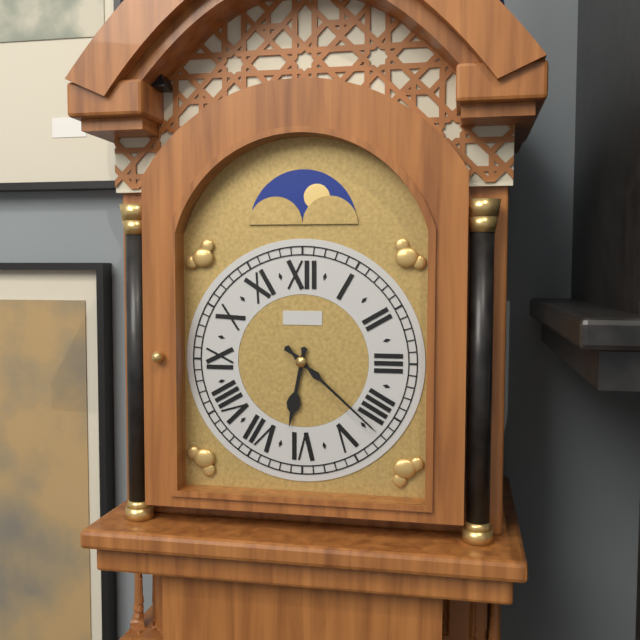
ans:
**6:22**
